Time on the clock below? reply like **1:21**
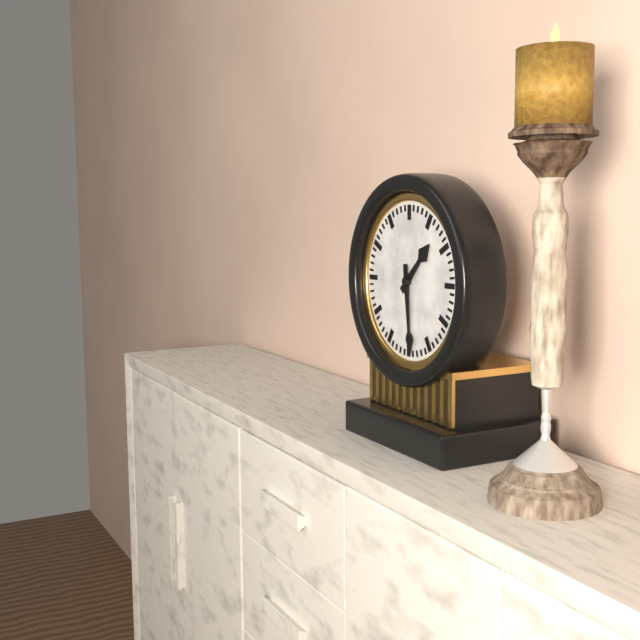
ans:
**1:29**
